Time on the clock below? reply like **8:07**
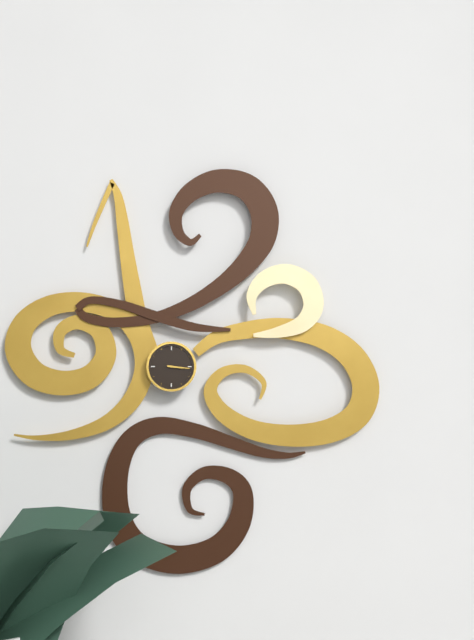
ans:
**3:16**
